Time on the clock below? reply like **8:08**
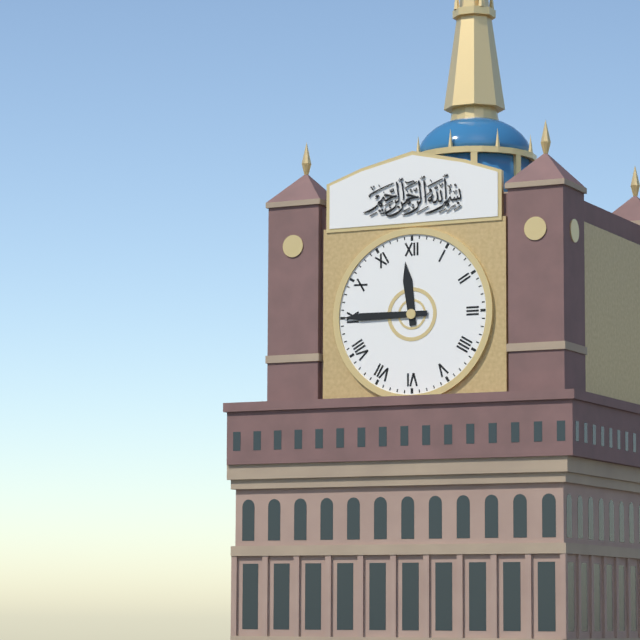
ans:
**11:45**
